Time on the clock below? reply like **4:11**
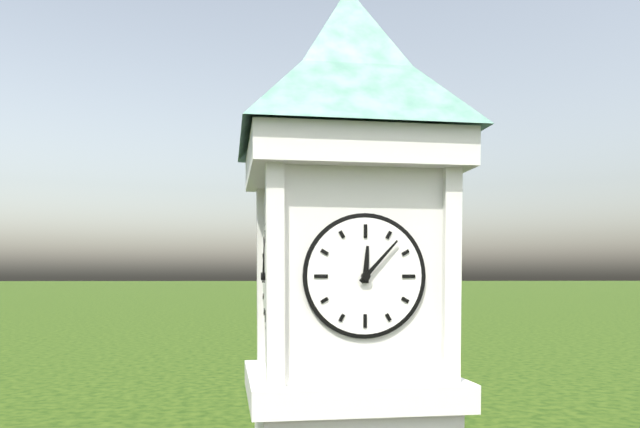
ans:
**12:07**
